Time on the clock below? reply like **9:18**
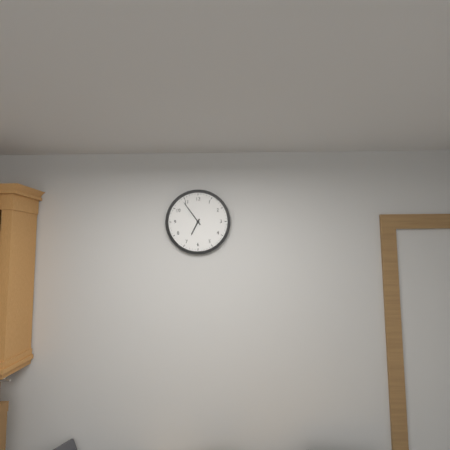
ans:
**6:54**
